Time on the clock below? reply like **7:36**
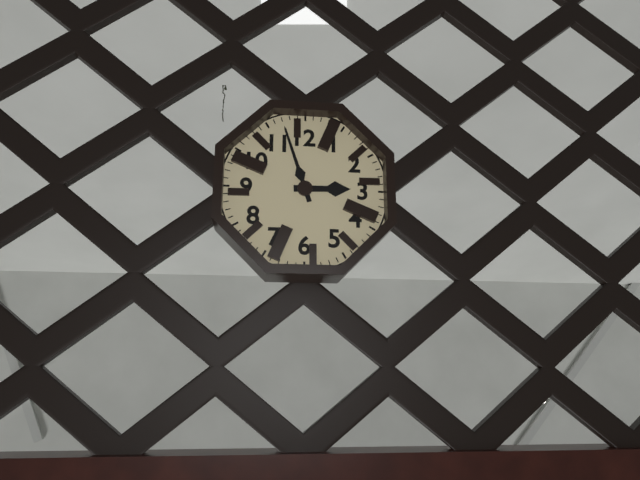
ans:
**2:57**
